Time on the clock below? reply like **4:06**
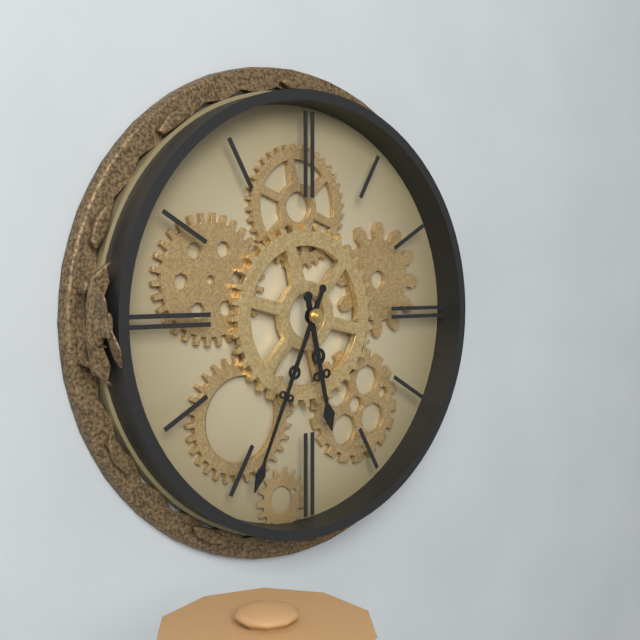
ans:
**5:34**
